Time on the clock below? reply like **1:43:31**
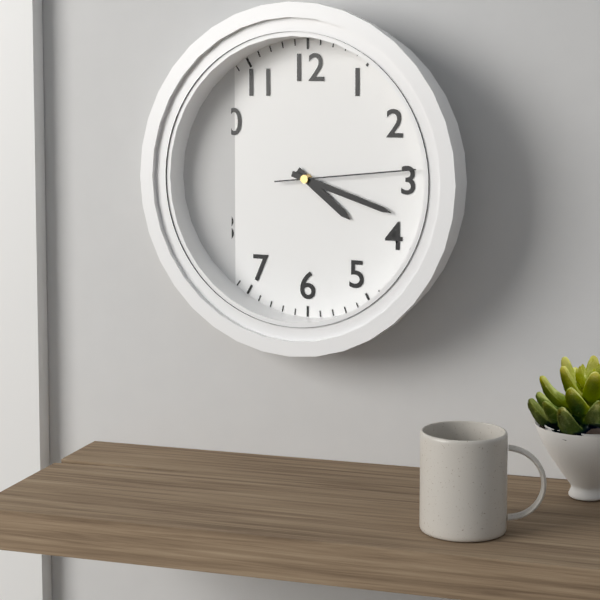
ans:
**4:18:14**
